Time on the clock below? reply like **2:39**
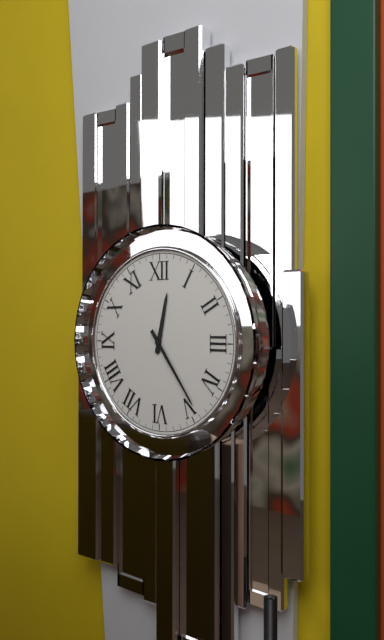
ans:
**12:24**
